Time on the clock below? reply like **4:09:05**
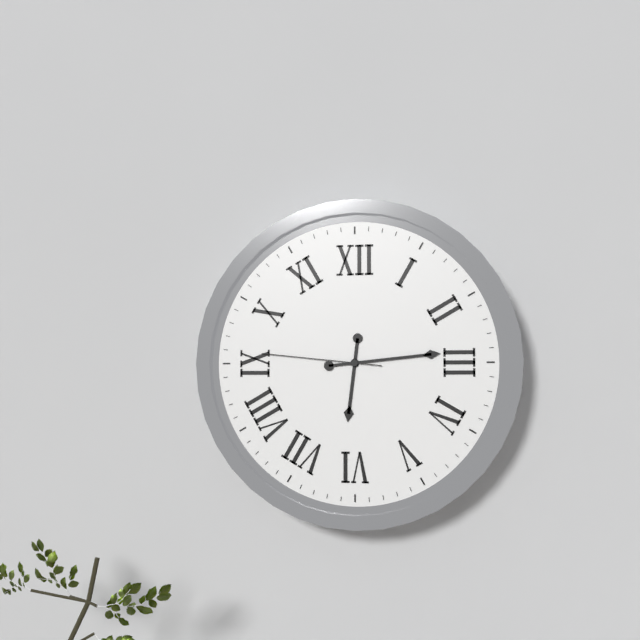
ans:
**6:14:46**
